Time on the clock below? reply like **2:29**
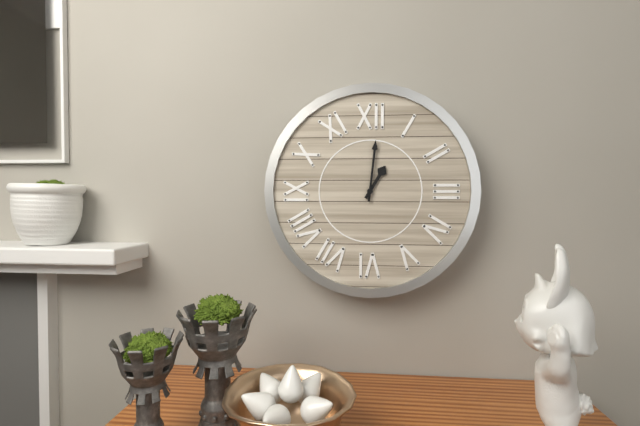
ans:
**1:01**
